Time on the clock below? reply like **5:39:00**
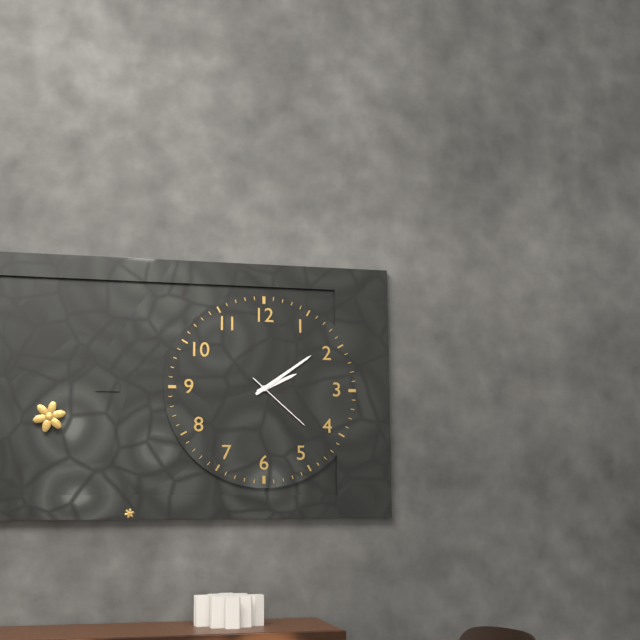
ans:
**2:09:22**
